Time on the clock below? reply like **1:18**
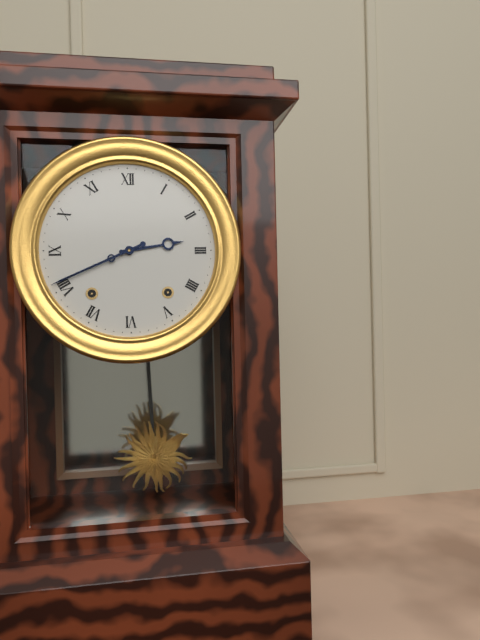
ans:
**2:41**
